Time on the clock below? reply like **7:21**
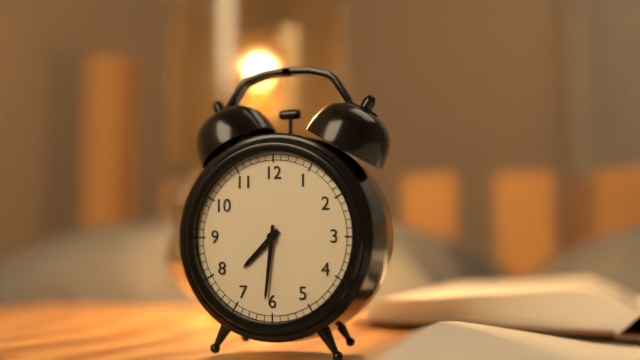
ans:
**7:31**
